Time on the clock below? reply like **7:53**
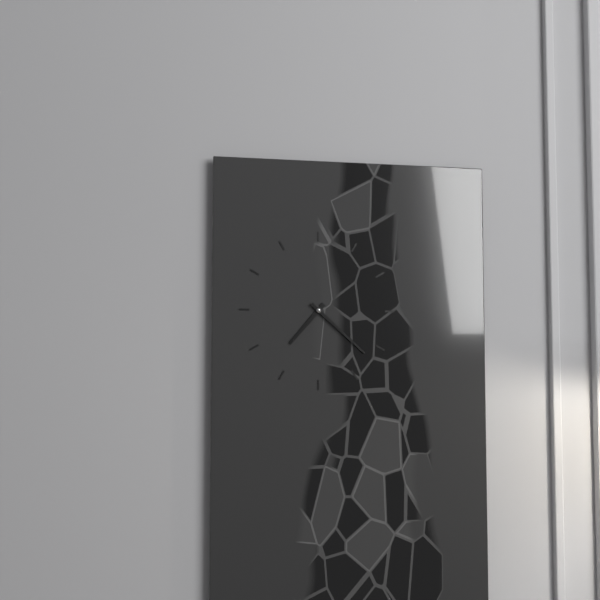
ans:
**7:22**
